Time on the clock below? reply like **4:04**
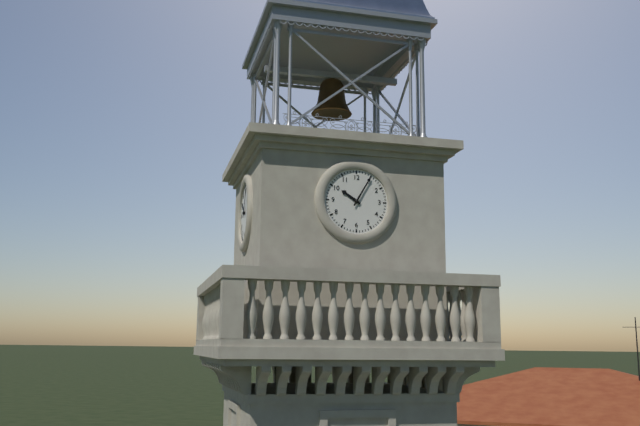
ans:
**10:05**
